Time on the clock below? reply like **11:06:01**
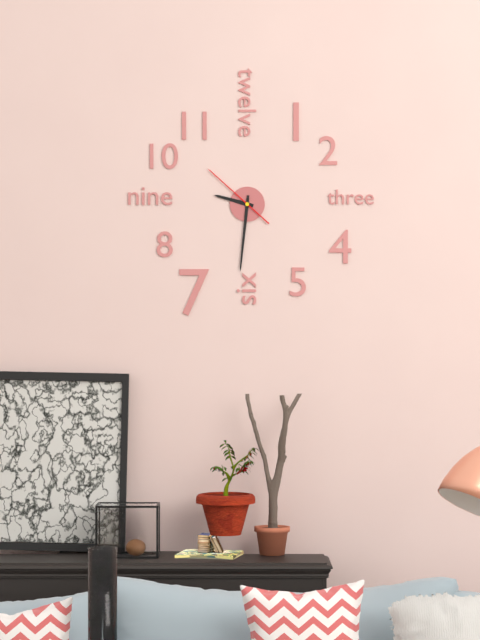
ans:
**9:31:52**
